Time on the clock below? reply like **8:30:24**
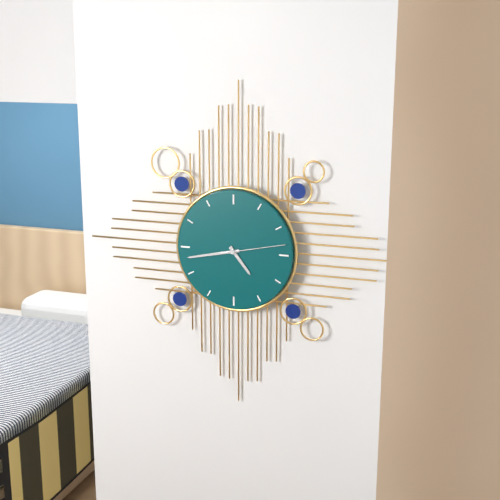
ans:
**4:43:13**
